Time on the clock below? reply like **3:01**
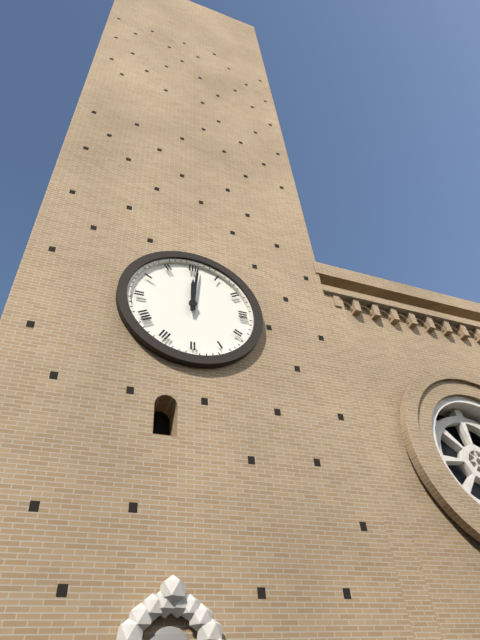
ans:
**12:01**
